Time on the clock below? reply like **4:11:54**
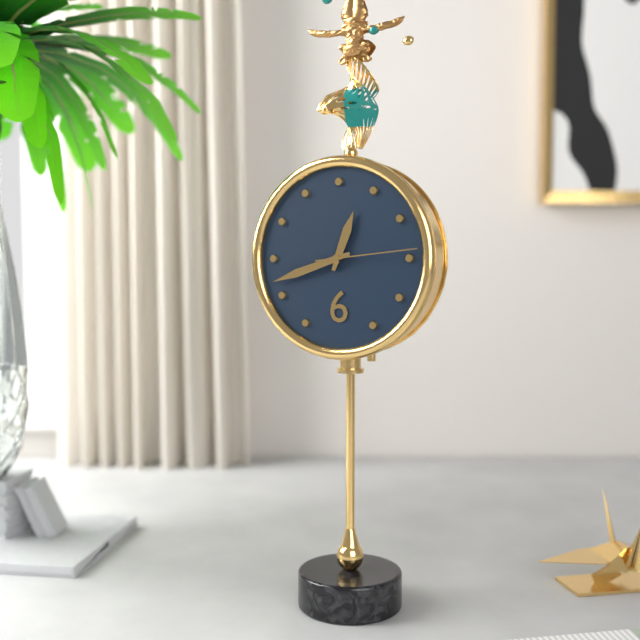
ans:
**12:42:14**
